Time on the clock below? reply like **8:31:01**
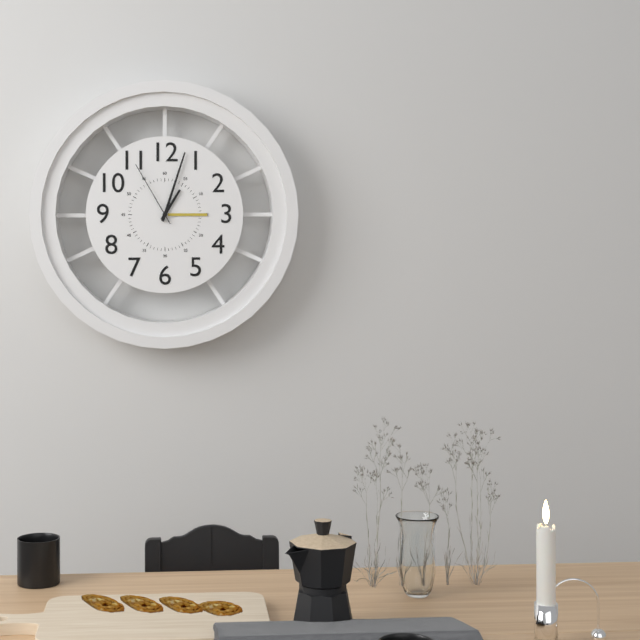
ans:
**1:03:55**
